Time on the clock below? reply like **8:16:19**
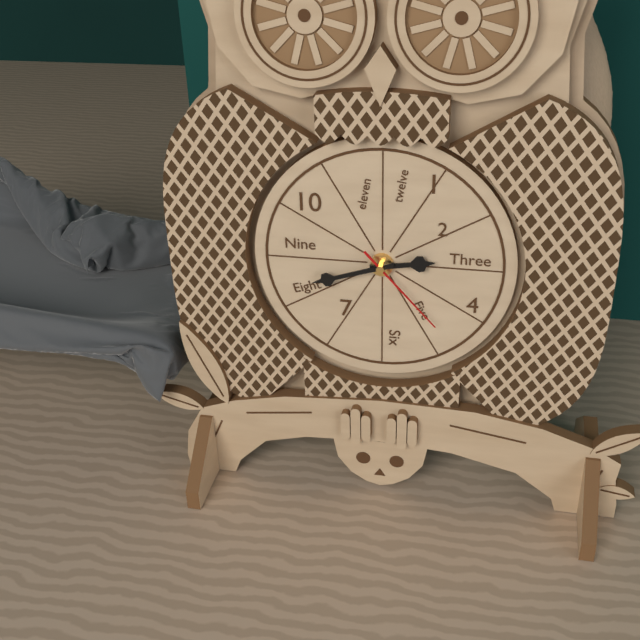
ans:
**2:42:23**
